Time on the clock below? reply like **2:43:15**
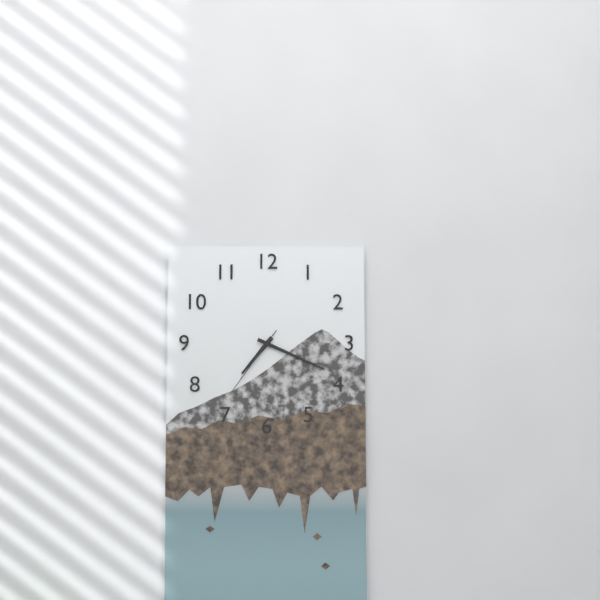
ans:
**7:19:36**
